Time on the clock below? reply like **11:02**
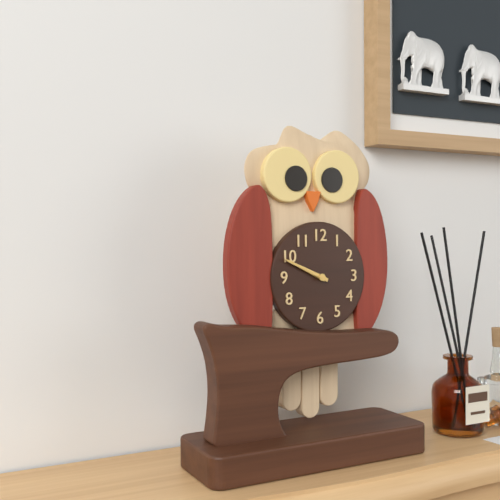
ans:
**9:49**
